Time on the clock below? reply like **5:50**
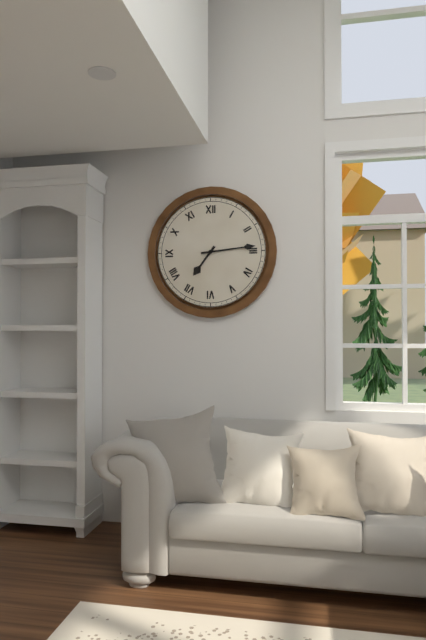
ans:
**7:14**
